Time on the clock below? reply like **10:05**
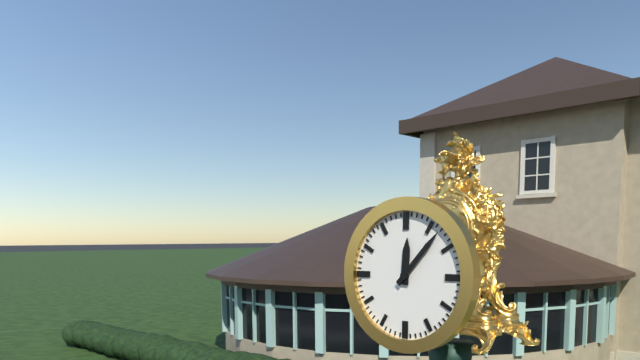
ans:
**12:07**
